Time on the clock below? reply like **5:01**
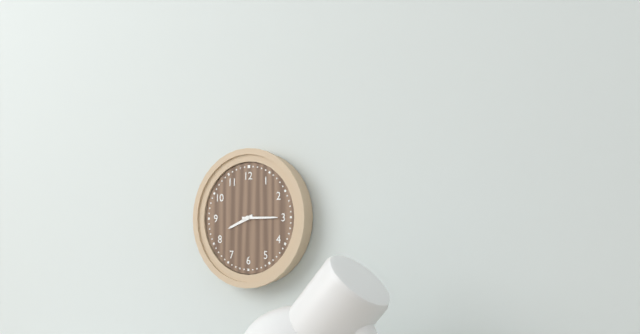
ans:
**8:15**
